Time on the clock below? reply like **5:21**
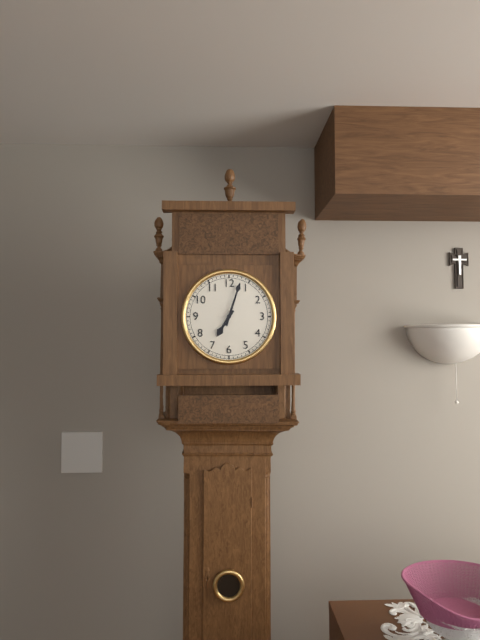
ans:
**7:03**
